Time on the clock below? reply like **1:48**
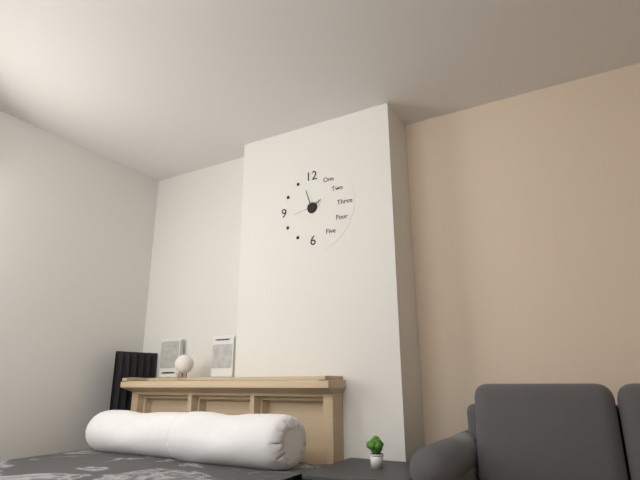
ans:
**1:57**
